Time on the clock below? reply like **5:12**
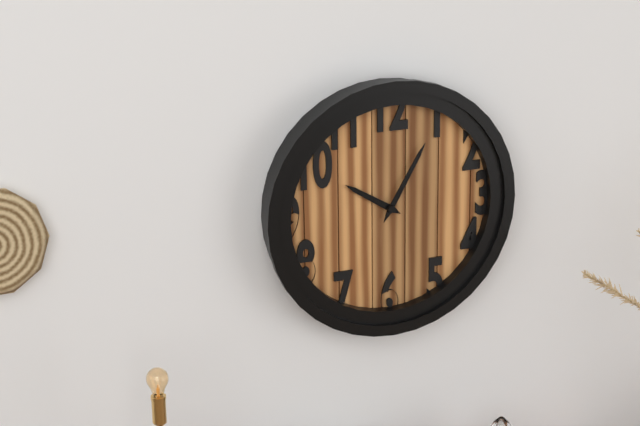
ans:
**10:05**
